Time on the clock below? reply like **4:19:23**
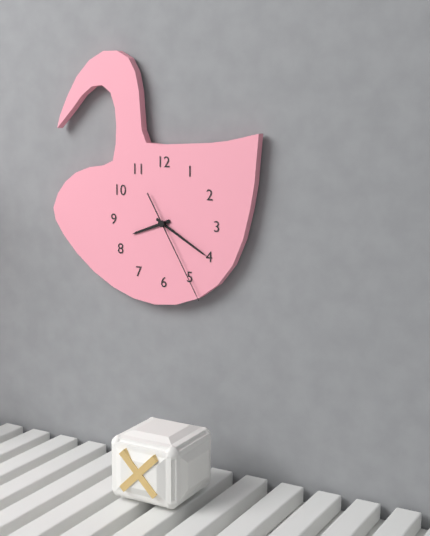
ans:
**8:20:25**
